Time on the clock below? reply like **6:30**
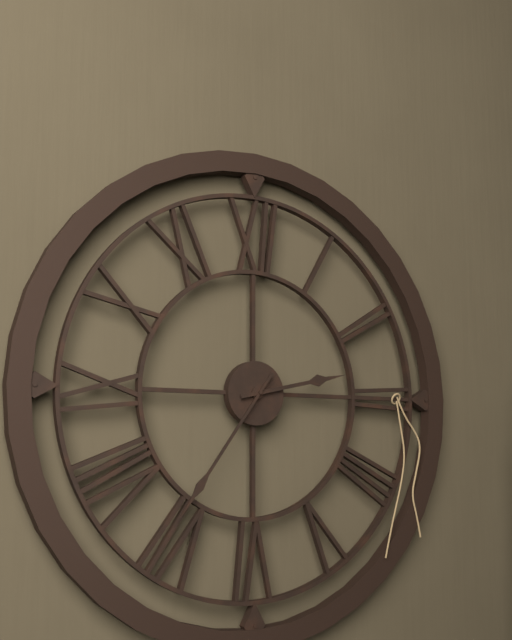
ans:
**2:36**
